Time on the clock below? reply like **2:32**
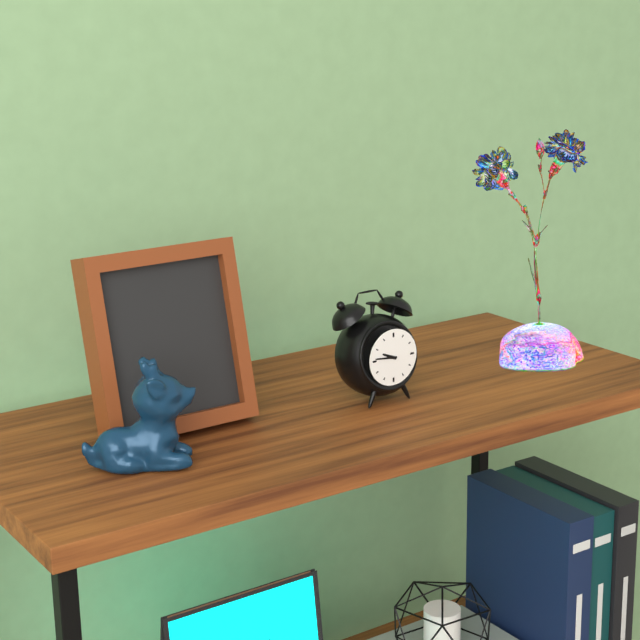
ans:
**9:46**
